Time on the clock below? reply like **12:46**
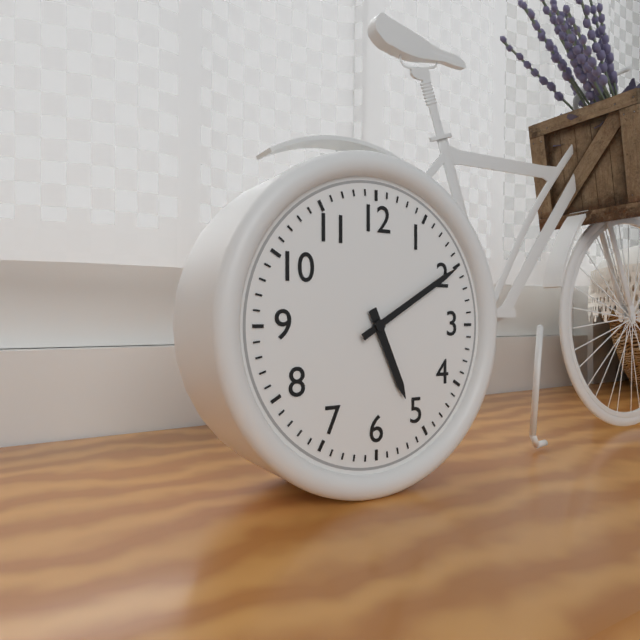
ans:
**5:10**
